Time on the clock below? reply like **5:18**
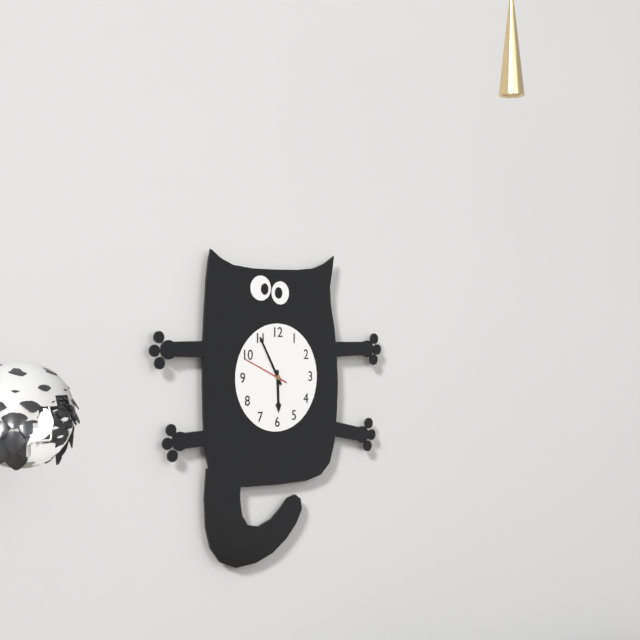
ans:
**5:55**
